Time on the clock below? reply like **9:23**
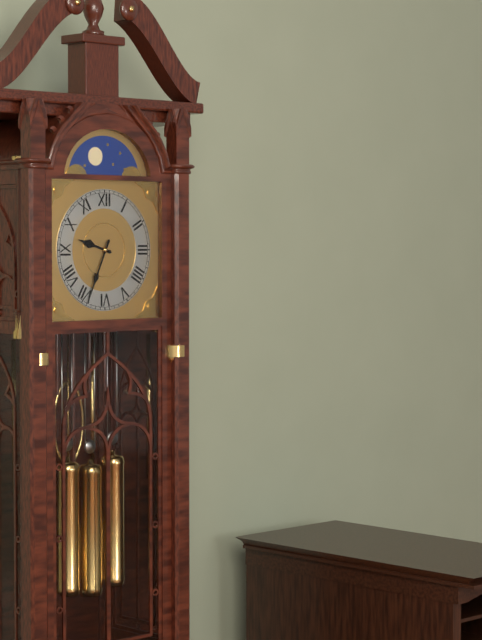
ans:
**9:34**
